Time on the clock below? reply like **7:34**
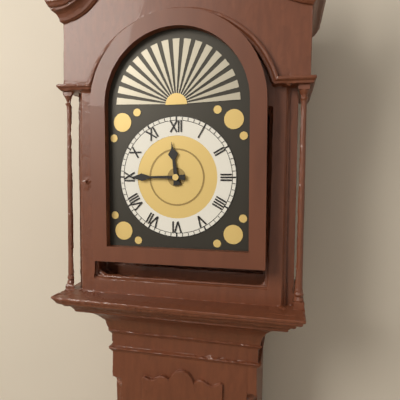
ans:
**11:45**
